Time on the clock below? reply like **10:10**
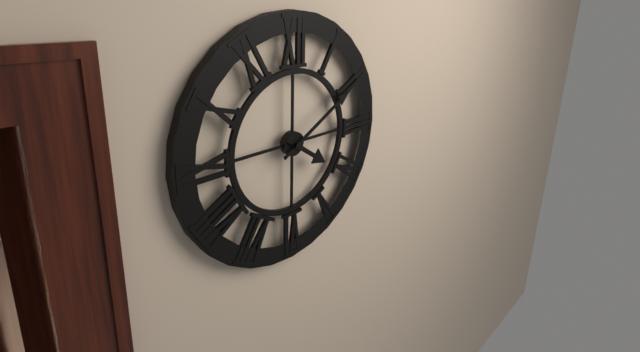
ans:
**4:10**
